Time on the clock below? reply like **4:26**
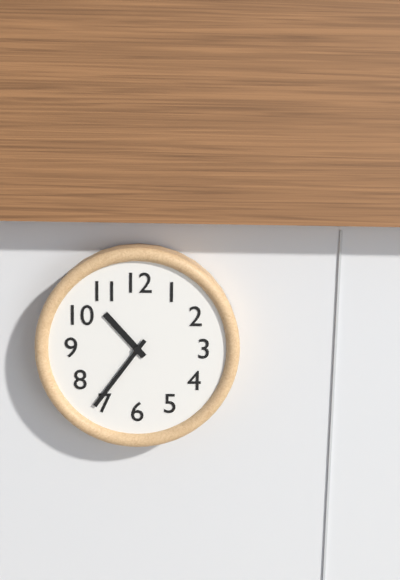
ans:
**10:36**
